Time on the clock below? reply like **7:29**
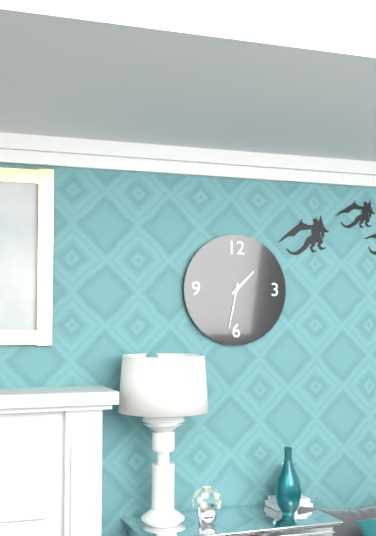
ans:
**1:32**
